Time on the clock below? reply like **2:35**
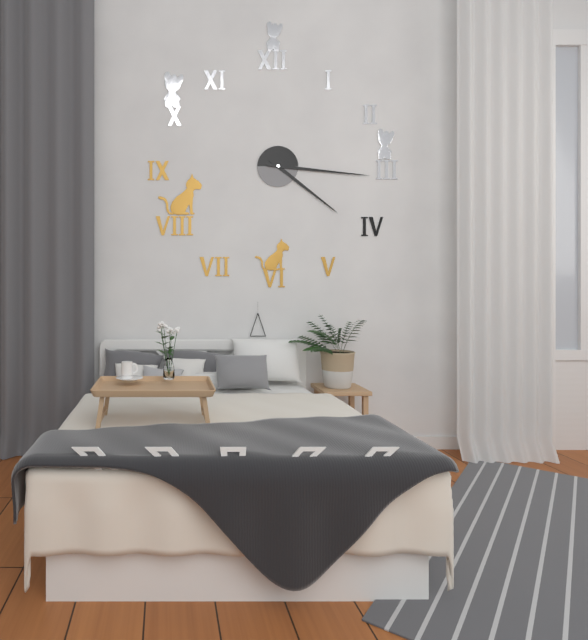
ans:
**4:16**
